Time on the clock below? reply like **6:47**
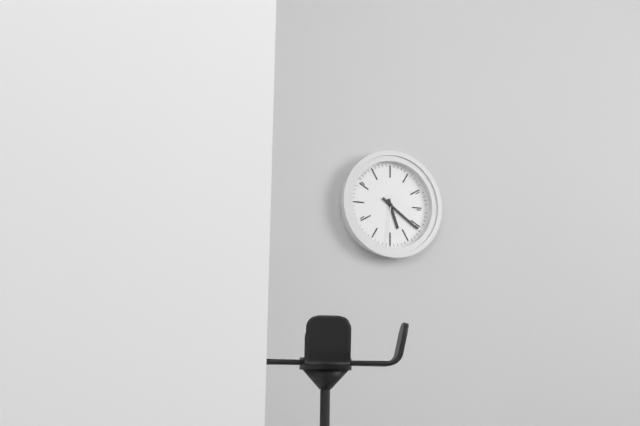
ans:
**5:21**
